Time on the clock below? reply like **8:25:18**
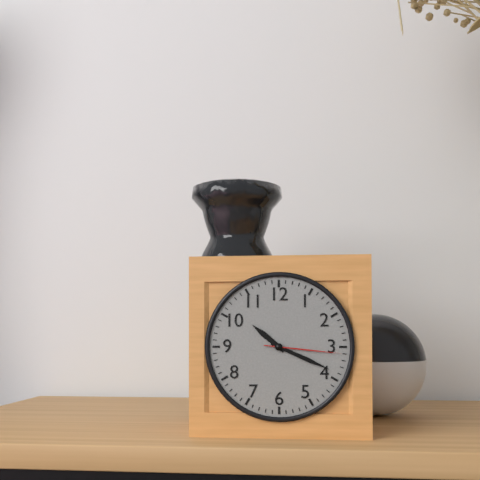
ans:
**10:19:16**
